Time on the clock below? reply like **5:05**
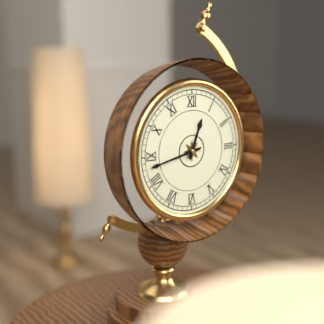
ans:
**12:43**
